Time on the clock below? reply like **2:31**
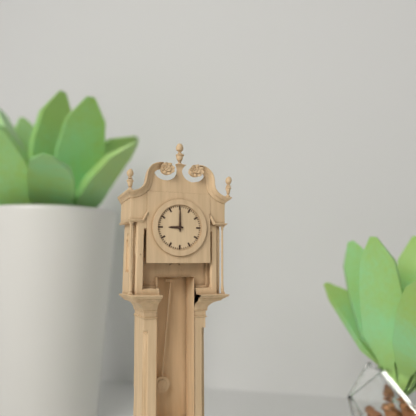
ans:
**9:00**
